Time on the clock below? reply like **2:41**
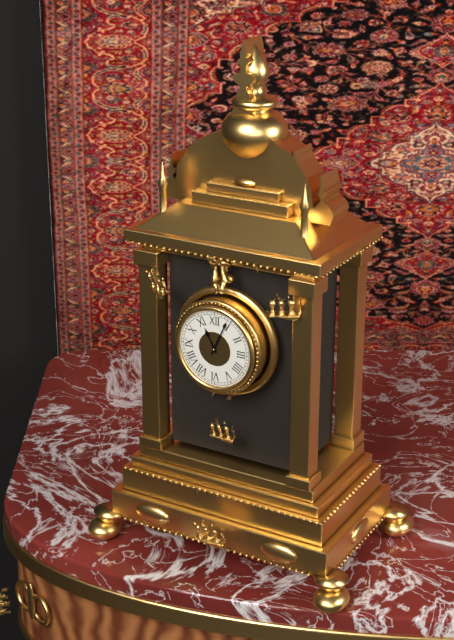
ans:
**11:04**
